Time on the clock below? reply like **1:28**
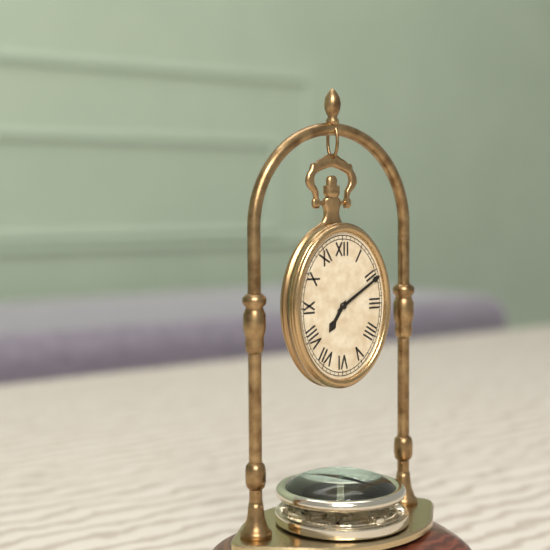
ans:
**7:10**
